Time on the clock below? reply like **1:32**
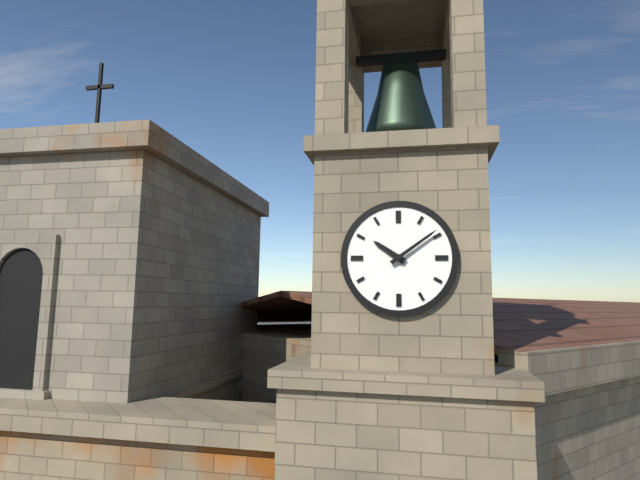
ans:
**10:09**
